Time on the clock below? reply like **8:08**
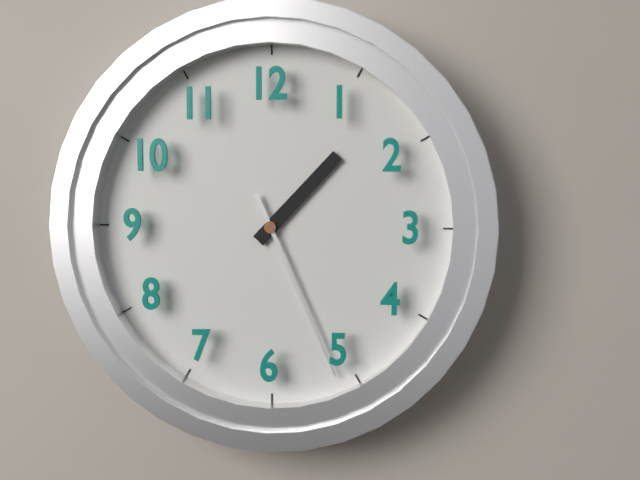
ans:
**1:26**
